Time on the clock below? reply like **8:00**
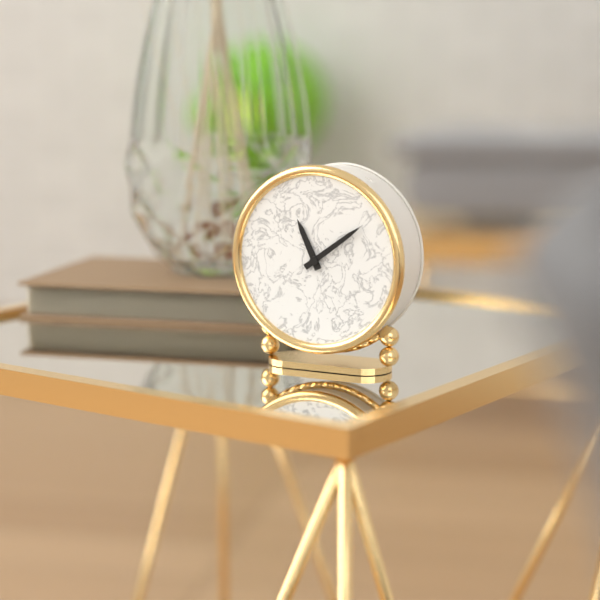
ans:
**11:09**
